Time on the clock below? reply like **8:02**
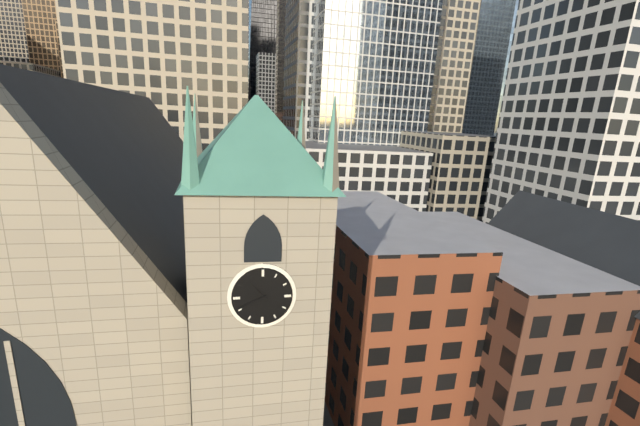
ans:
**10:41**
